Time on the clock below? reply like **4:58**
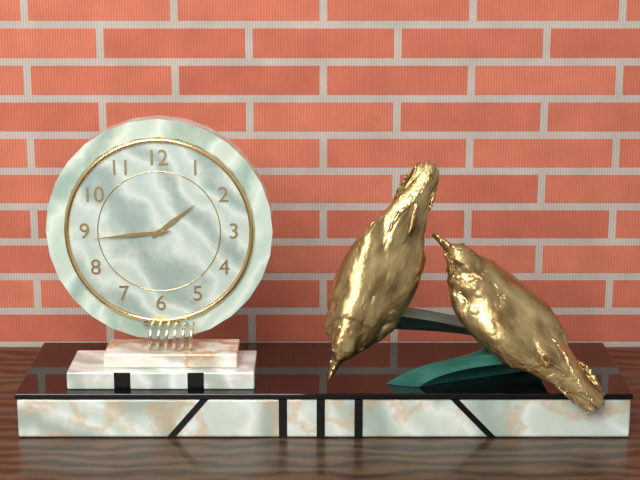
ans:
**1:44**
